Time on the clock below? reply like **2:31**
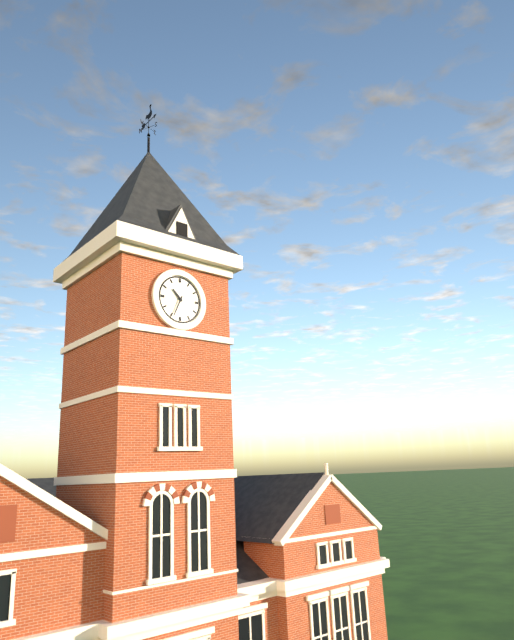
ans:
**10:34**
